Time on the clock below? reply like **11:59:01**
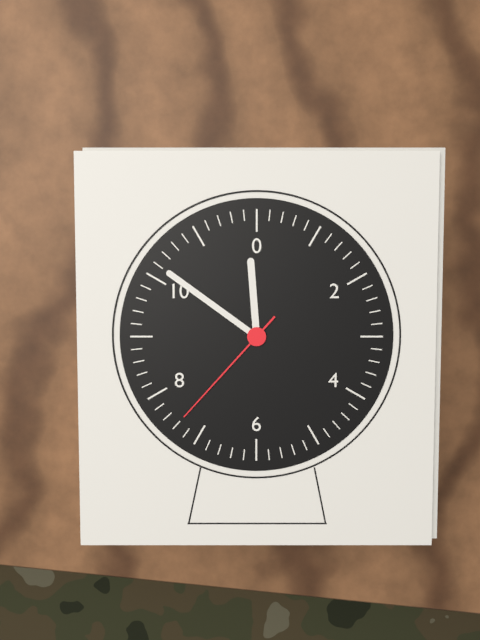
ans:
**11:51:37**
